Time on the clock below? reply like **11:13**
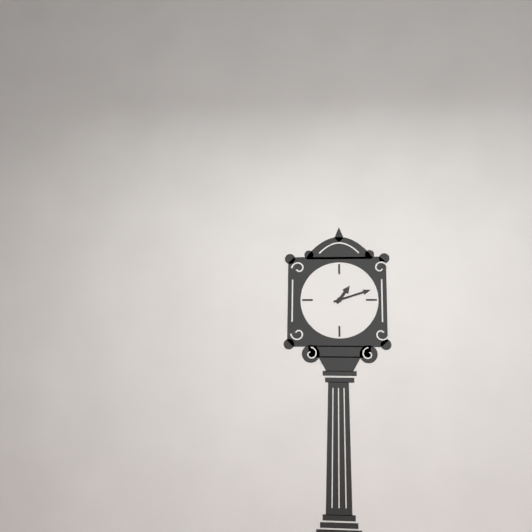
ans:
**1:12**
